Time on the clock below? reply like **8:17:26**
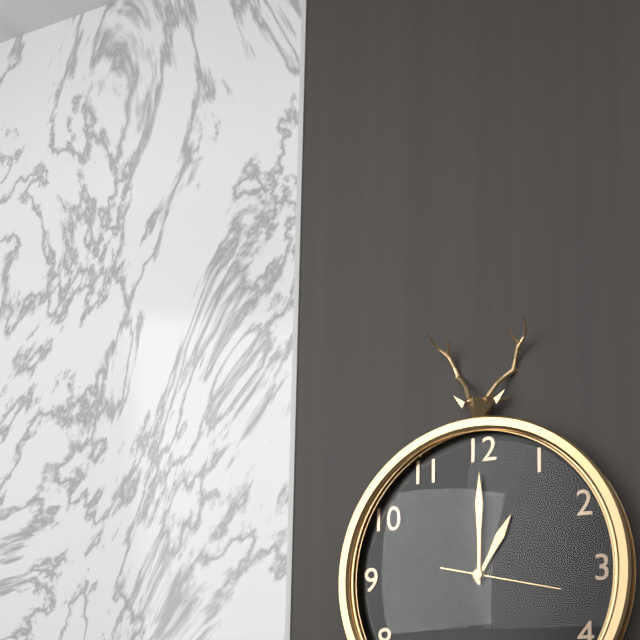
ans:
**1:00:17**
